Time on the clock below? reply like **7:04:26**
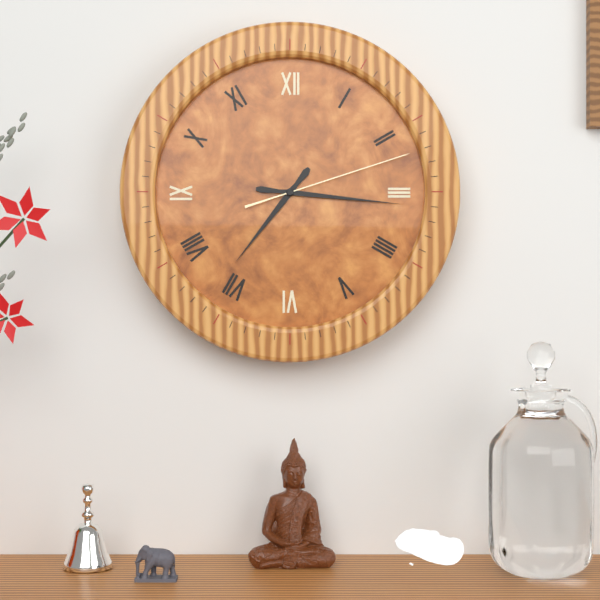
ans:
**7:16:12**
